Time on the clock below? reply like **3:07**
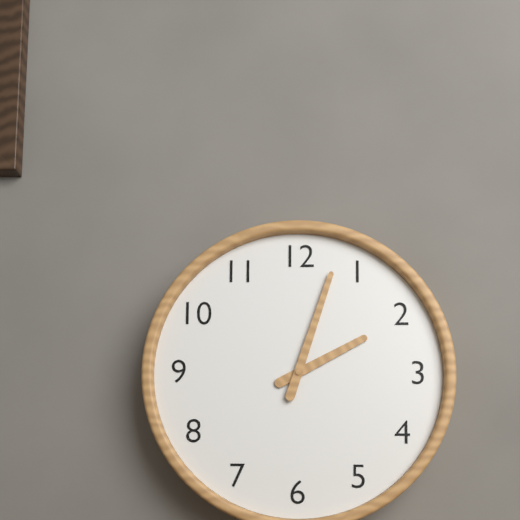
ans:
**2:03**
